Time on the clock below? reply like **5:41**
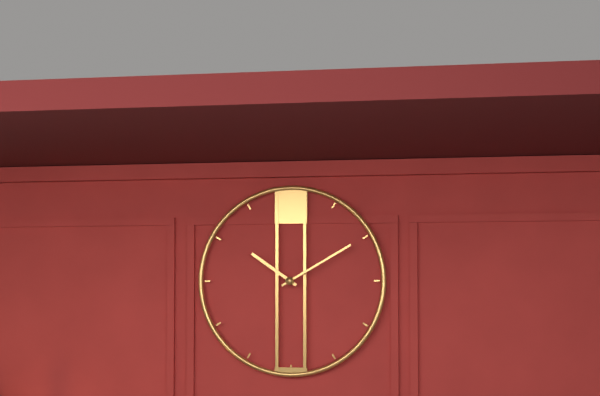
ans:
**10:10**
